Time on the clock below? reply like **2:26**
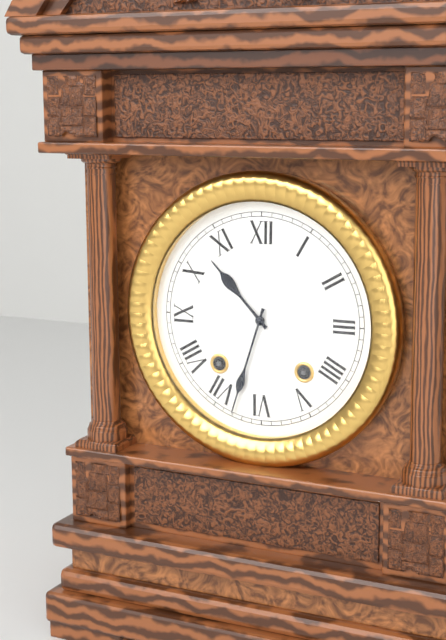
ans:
**10:33**
